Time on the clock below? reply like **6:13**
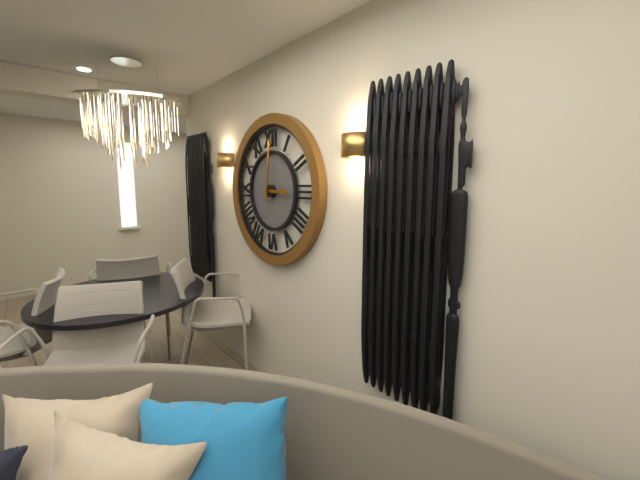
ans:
**3:01**
